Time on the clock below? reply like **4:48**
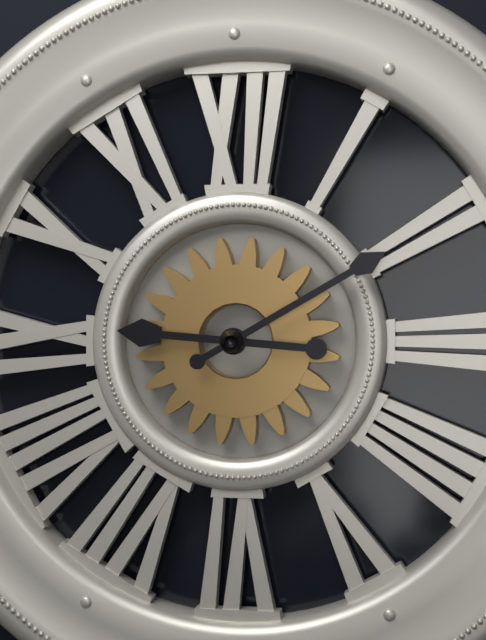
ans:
**9:10**
